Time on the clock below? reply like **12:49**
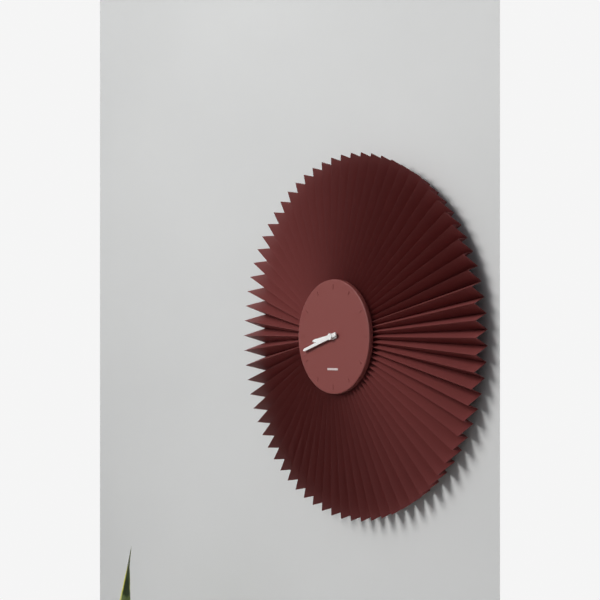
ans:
**8:42**
